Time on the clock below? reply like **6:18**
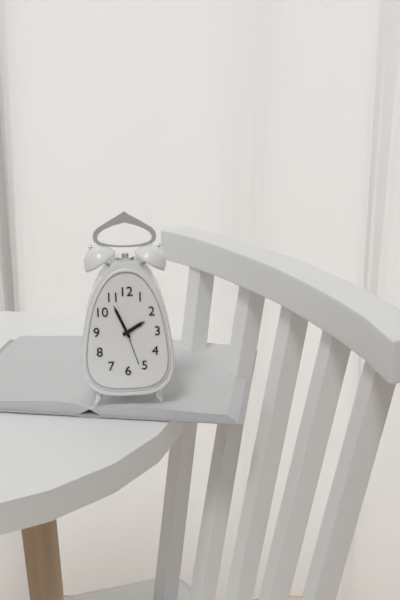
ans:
**1:56**
